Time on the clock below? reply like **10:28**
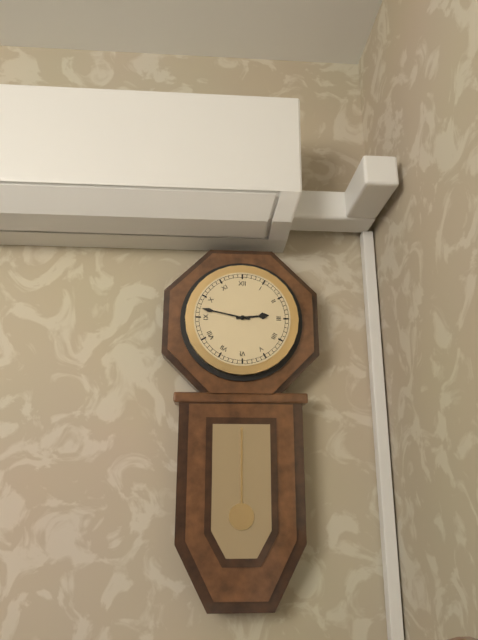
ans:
**2:47**
